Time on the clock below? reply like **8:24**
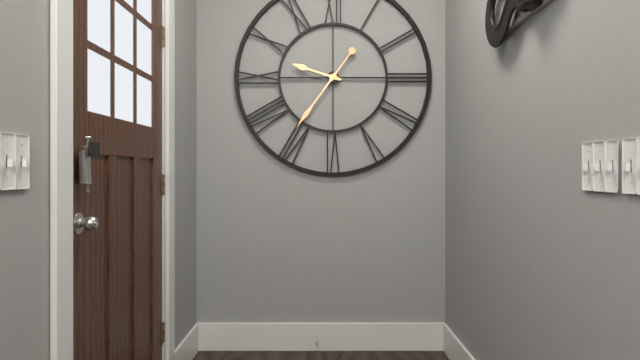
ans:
**9:36**
